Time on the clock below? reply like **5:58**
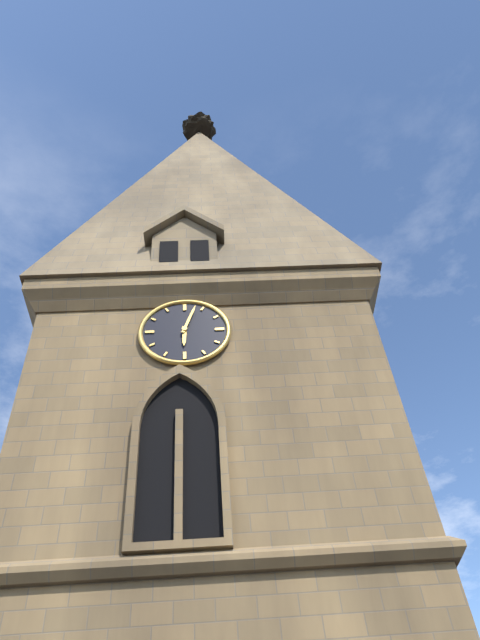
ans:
**6:03**
